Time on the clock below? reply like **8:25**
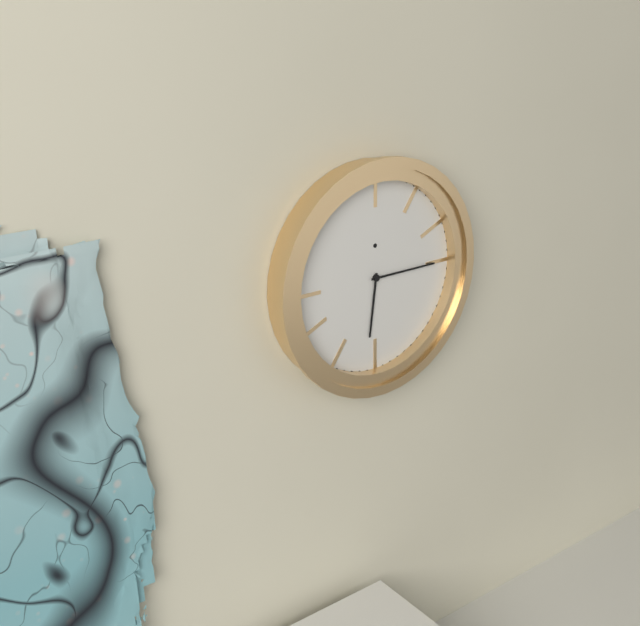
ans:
**6:15**
